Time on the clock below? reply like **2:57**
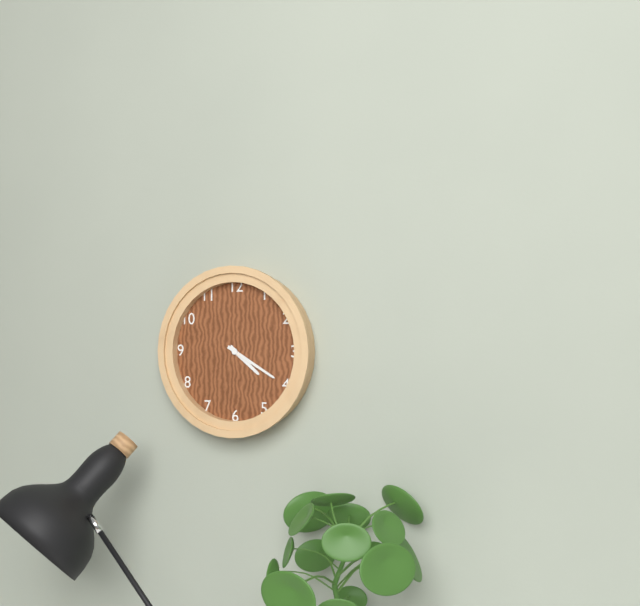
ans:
**4:20**
